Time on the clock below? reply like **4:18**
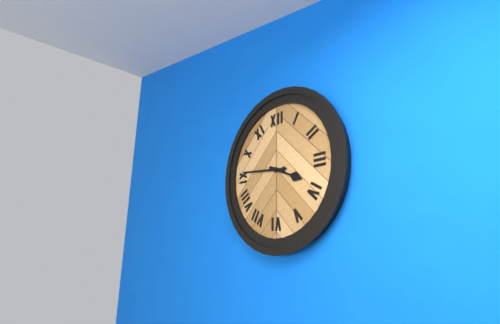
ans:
**3:46**
